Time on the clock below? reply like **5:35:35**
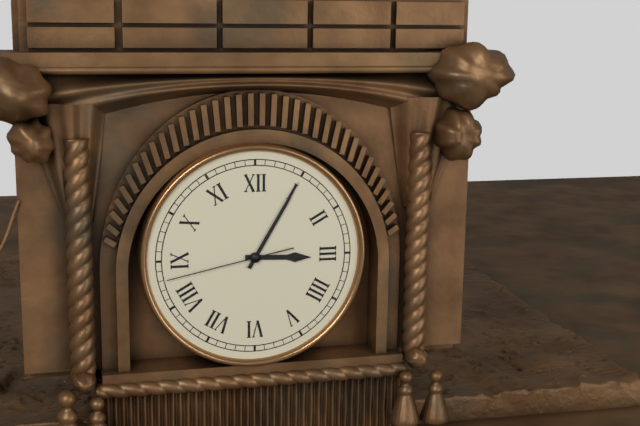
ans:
**3:05:43**
